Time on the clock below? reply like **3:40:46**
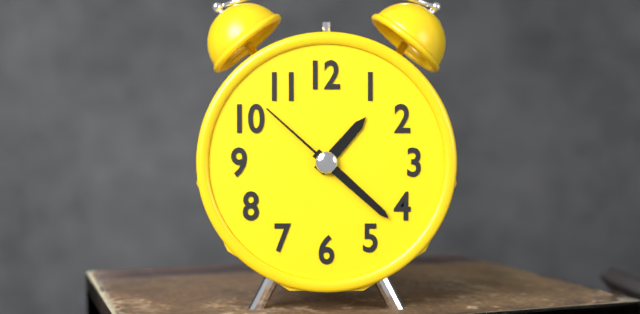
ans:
**1:22:52**
